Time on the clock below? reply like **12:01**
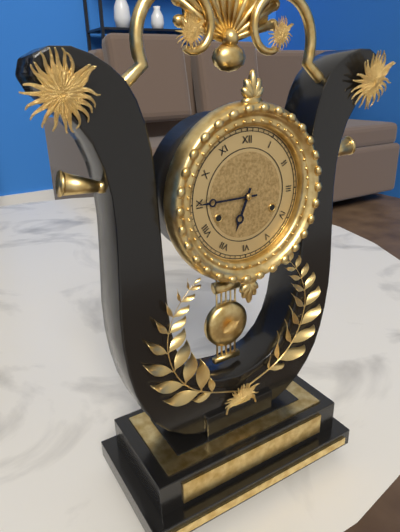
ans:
**6:45**
